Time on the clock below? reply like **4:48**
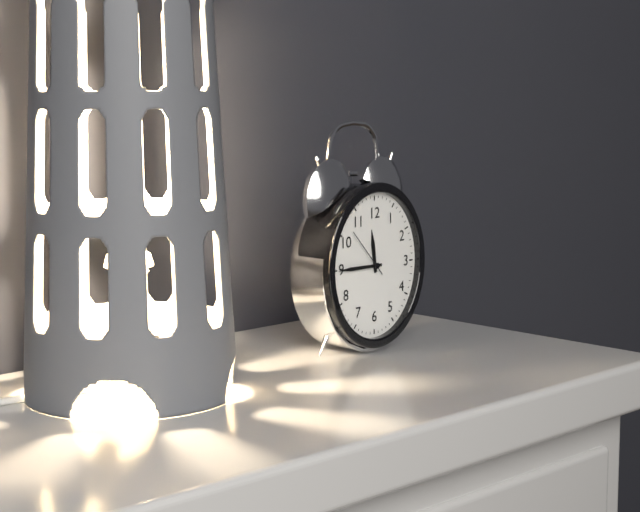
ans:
**11:45**
